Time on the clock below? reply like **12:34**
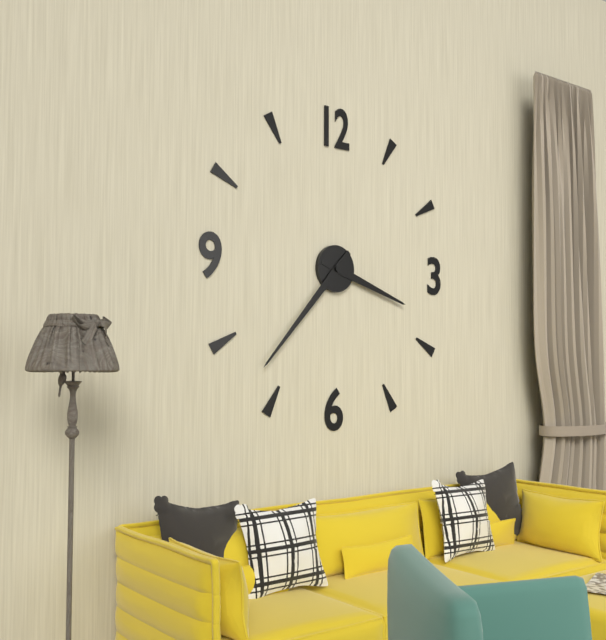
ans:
**3:37**
